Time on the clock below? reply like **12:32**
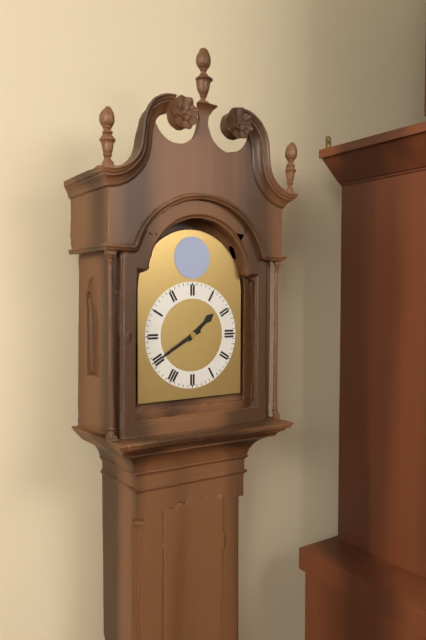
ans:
**1:40**
